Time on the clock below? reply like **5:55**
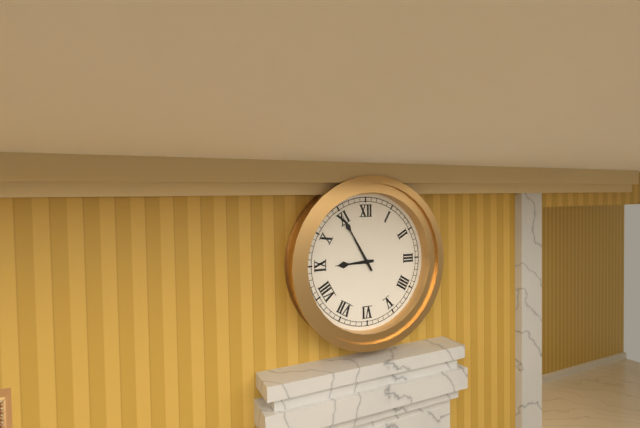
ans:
**8:55**
